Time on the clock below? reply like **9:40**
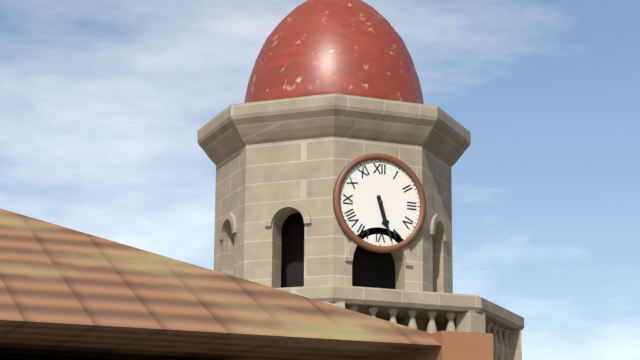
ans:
**5:27**
